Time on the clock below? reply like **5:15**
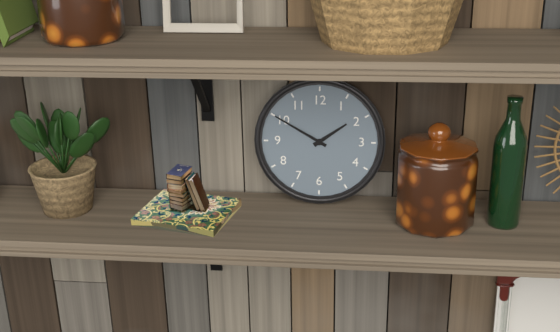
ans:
**1:50**
